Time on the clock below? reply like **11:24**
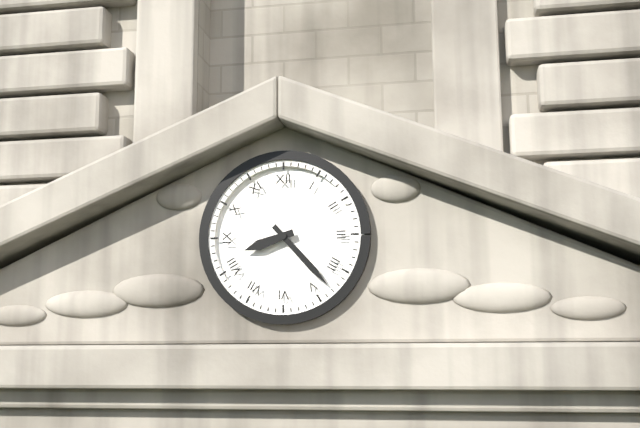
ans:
**8:23**
